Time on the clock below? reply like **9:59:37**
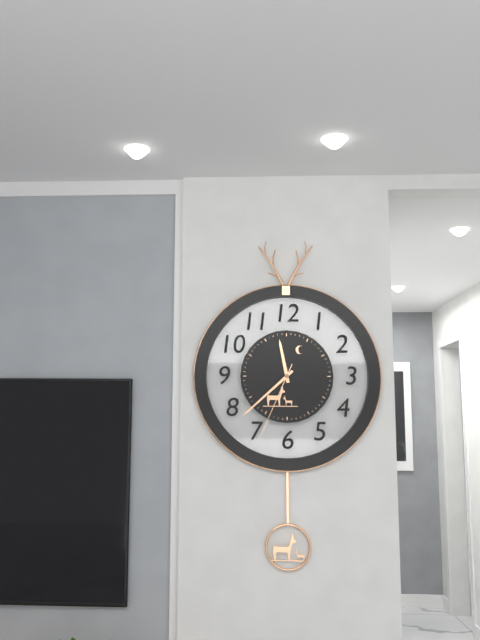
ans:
**11:38:34**
